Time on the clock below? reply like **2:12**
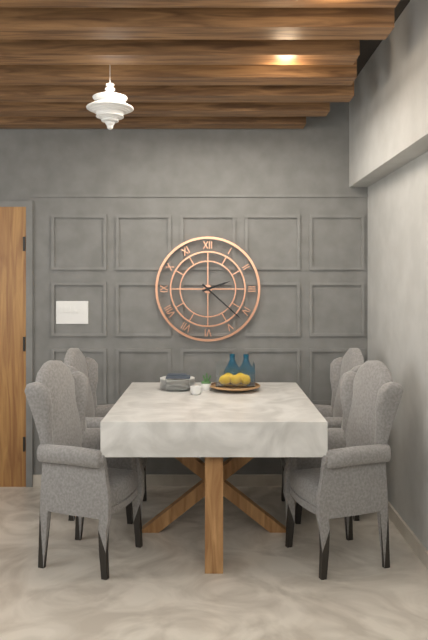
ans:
**2:22**
